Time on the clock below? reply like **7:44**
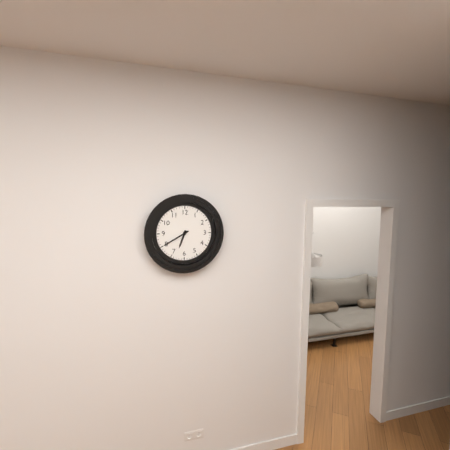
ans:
**6:40**
